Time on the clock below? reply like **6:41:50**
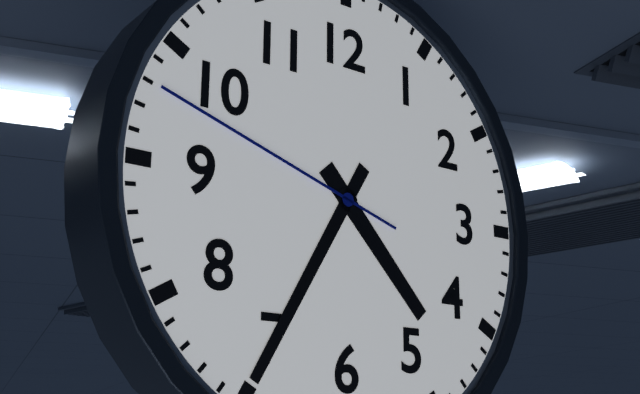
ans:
**4:35:48**
